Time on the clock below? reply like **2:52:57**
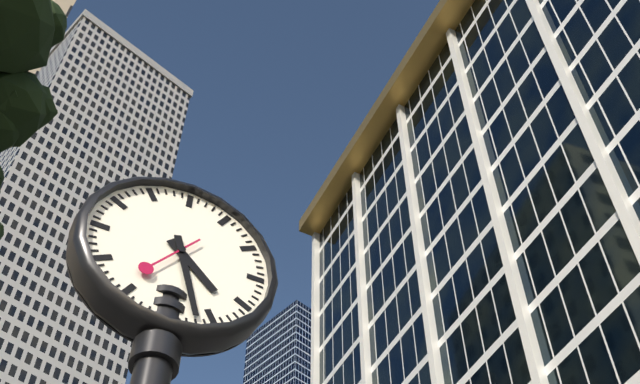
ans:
**4:27:36**
